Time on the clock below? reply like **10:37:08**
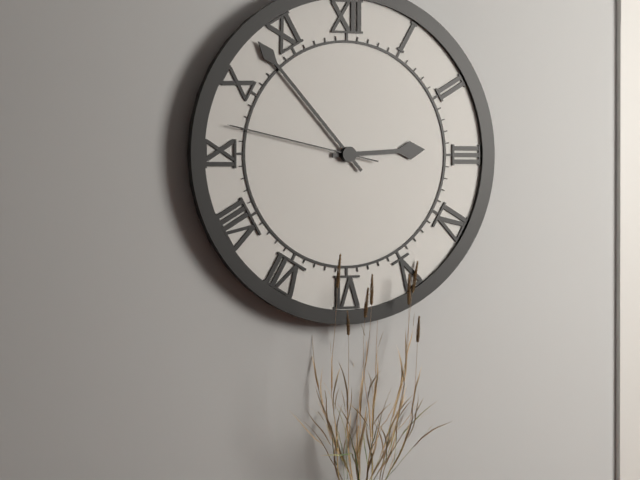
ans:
**2:53:47**
